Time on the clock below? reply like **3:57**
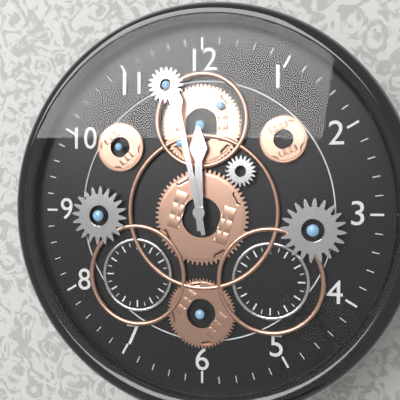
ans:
**11:58**
